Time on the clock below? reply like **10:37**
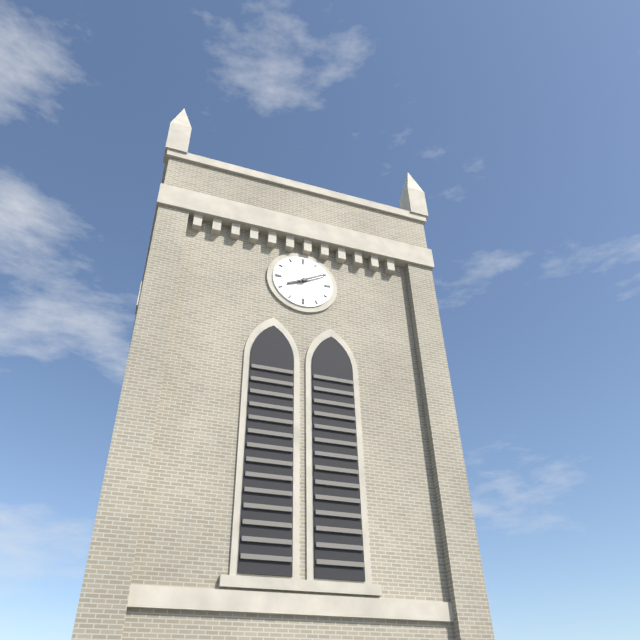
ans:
**8:10**
